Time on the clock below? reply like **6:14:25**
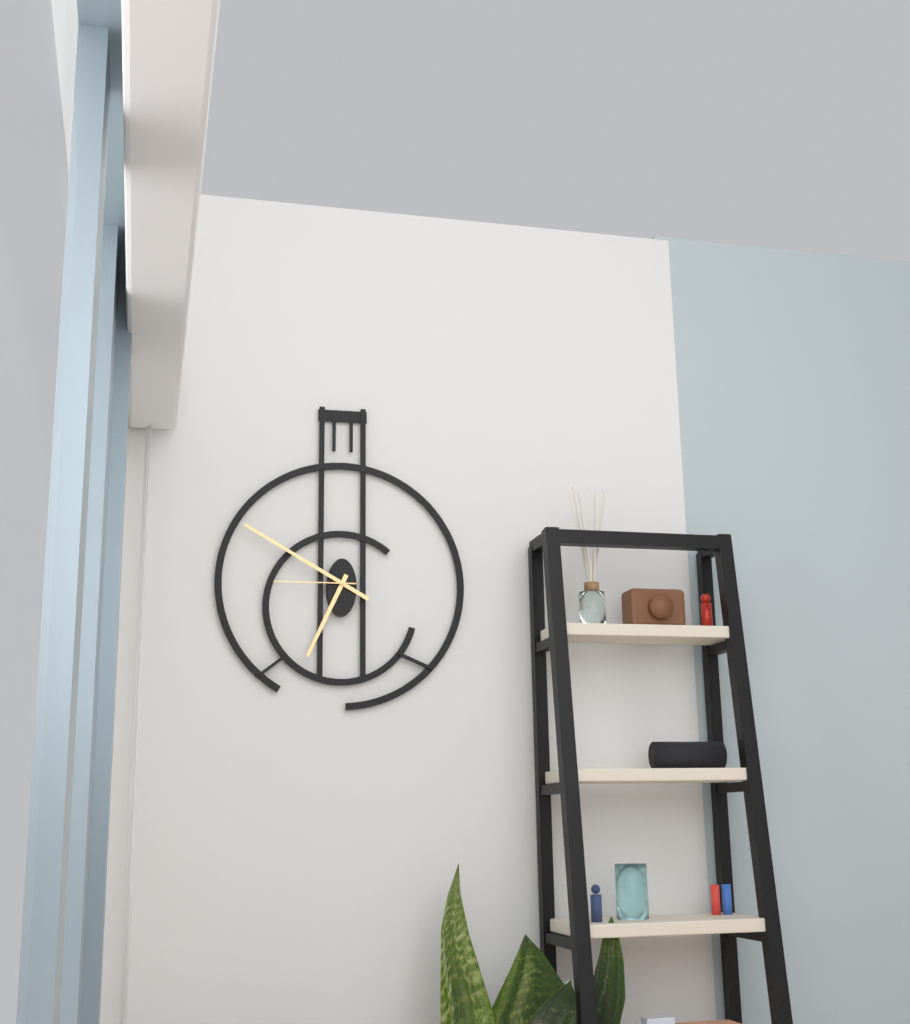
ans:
**6:50:45**
